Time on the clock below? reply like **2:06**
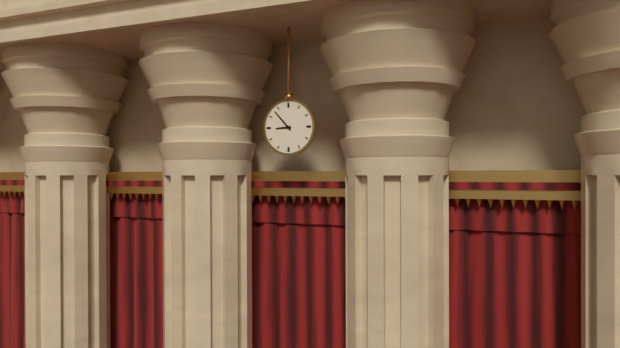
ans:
**8:53**
